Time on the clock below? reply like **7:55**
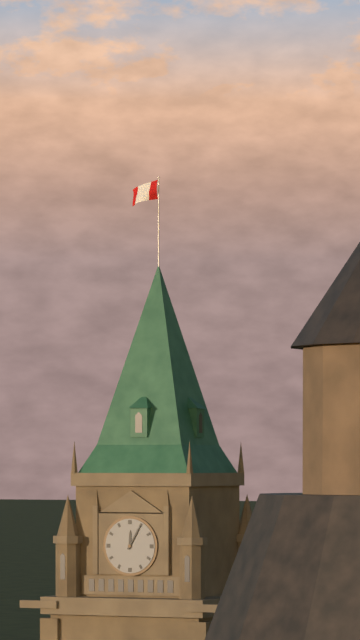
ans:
**12:05**
